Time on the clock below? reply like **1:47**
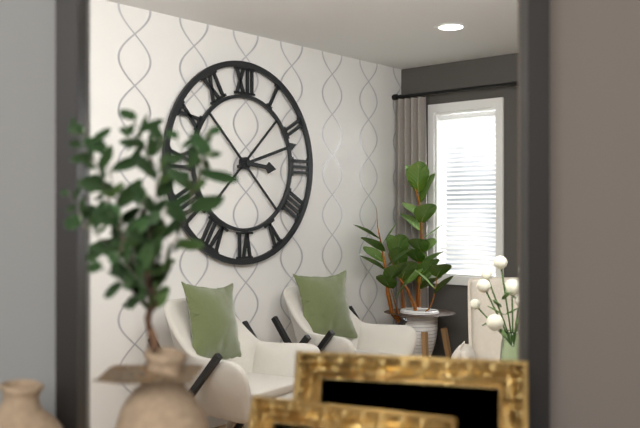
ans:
**3:12**
